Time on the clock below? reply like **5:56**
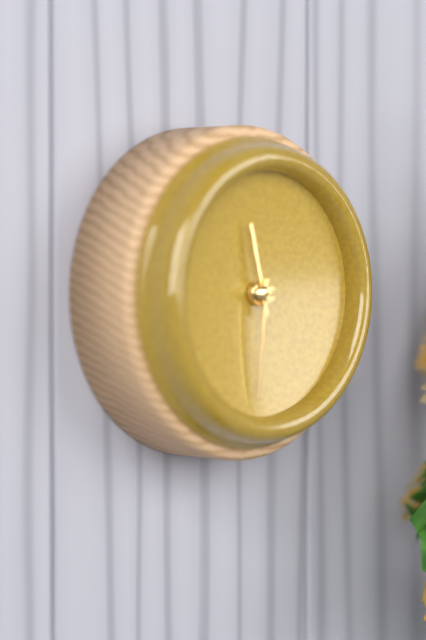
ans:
**11:31**
